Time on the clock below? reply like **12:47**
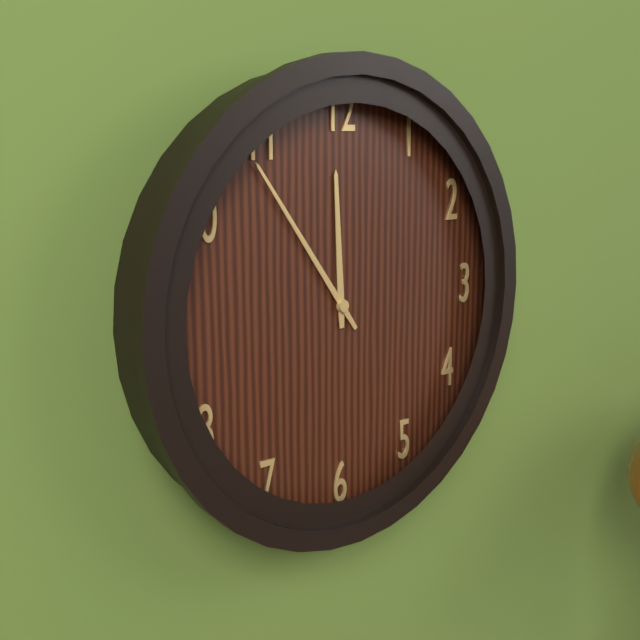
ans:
**11:54**
